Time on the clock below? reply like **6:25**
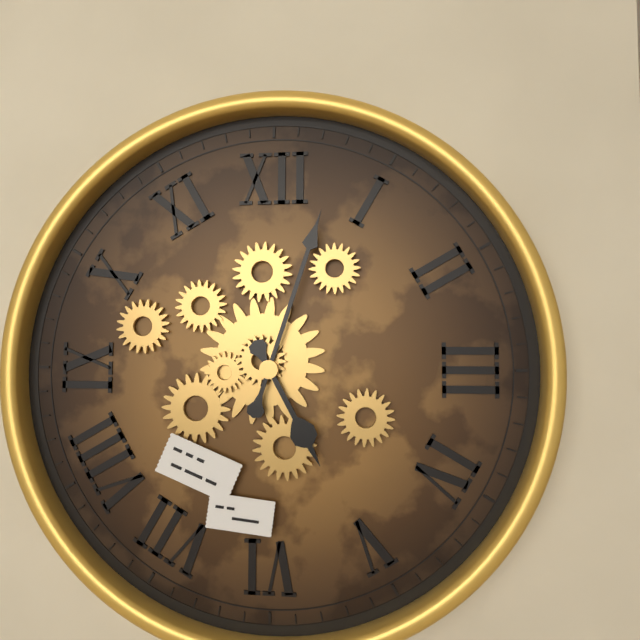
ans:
**5:03**
